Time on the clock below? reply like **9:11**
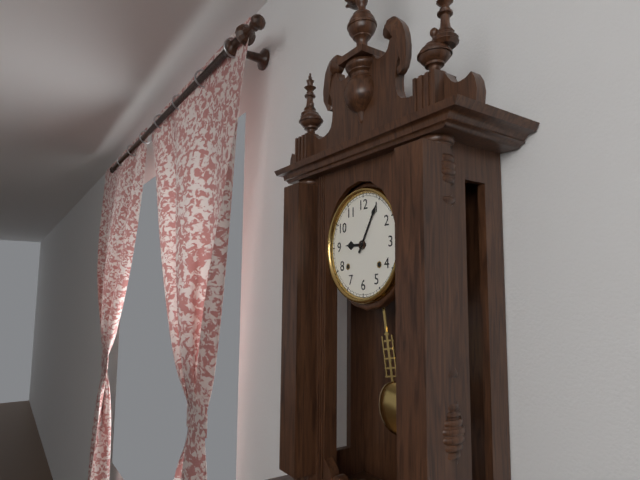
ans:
**9:05**
